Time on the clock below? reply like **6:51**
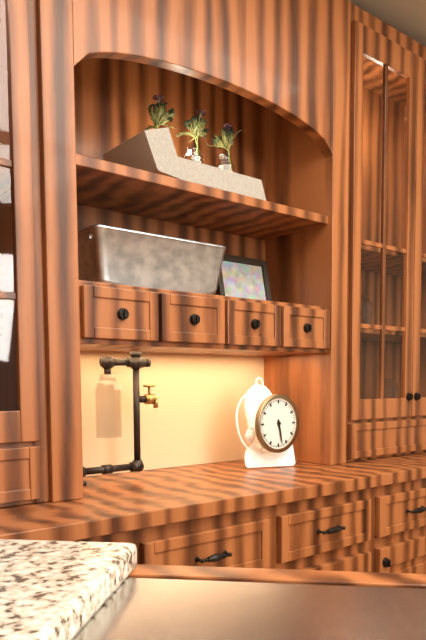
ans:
**5:28**
